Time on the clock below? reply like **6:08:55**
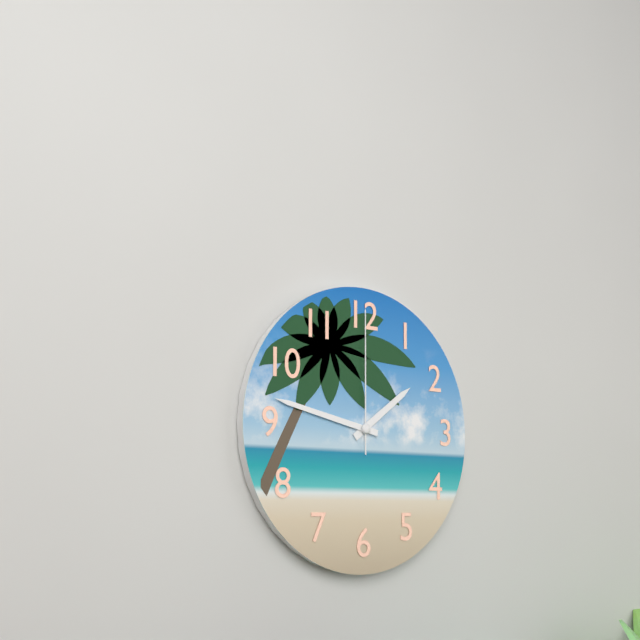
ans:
**1:47:00**
